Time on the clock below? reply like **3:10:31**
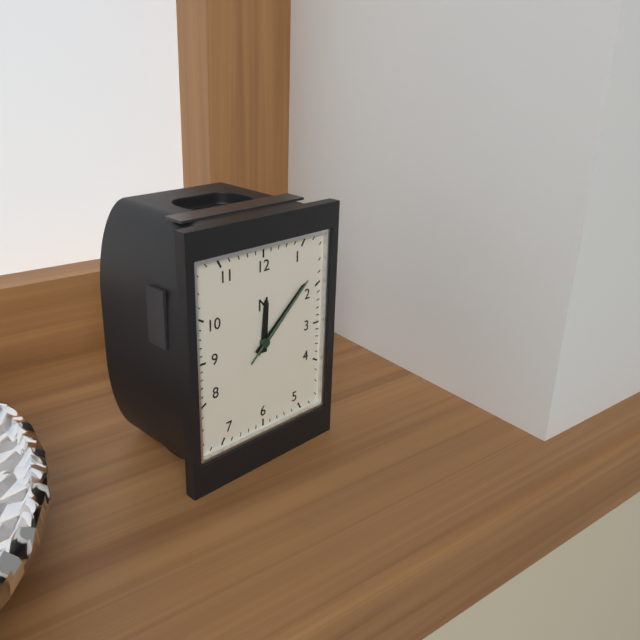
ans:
**12:08:08**
